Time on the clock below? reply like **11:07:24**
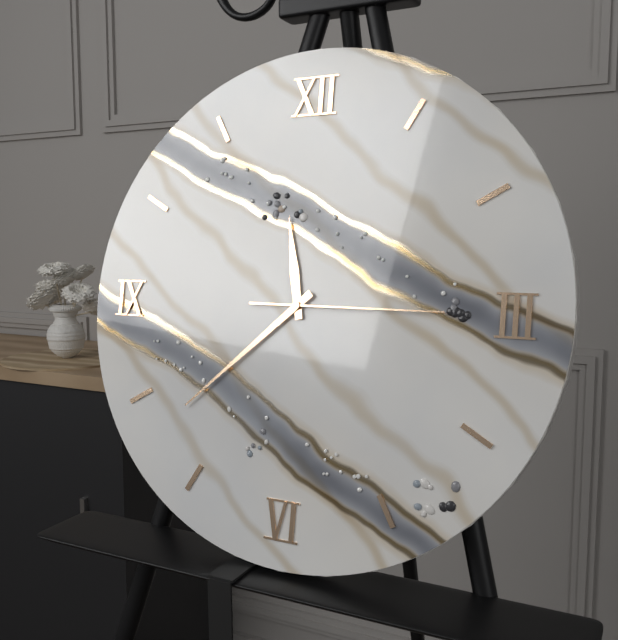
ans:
**11:38:15**
